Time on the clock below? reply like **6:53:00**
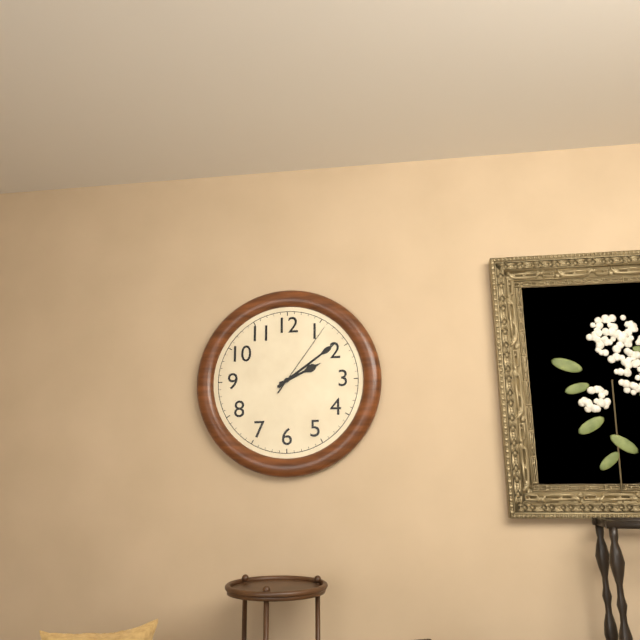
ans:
**2:09:06**
